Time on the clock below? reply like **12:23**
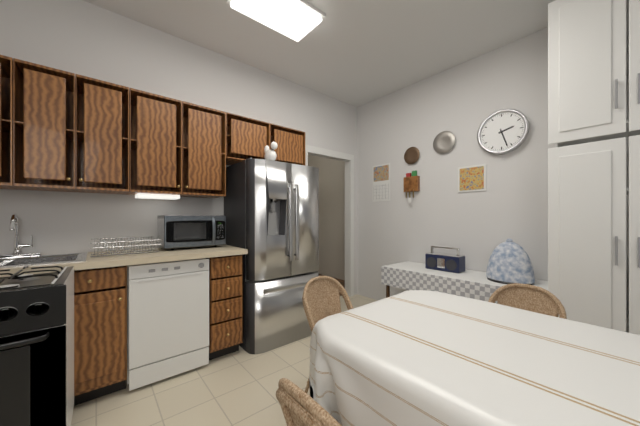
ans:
**2:27**
